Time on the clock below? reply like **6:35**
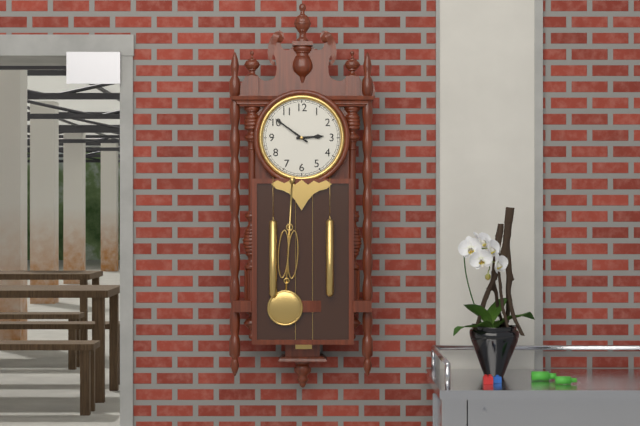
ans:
**2:51**
